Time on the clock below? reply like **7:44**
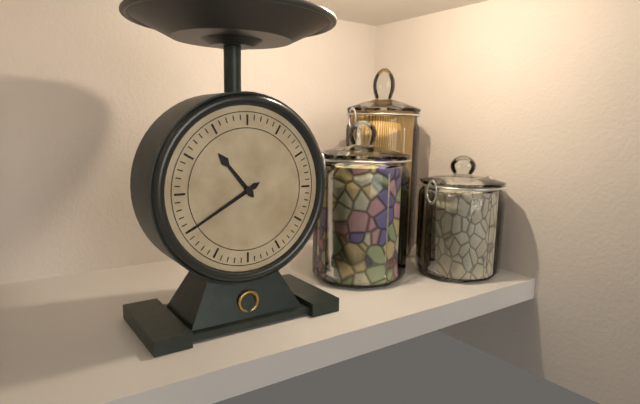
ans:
**10:40**
